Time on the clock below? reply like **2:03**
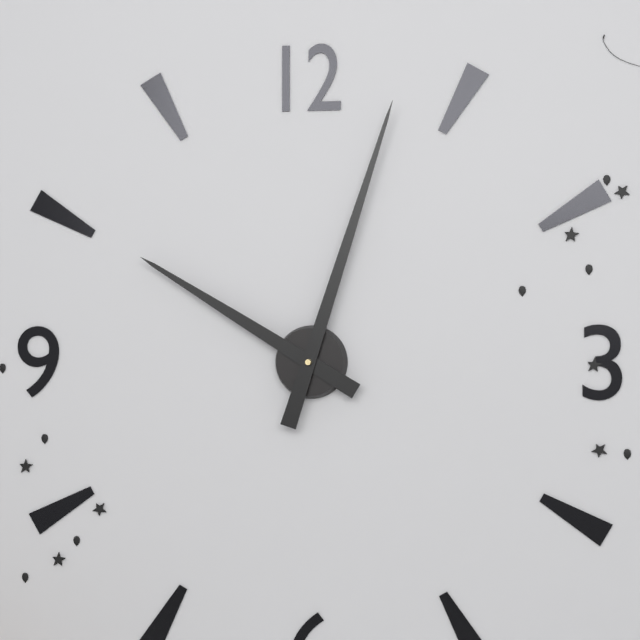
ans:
**10:03**
